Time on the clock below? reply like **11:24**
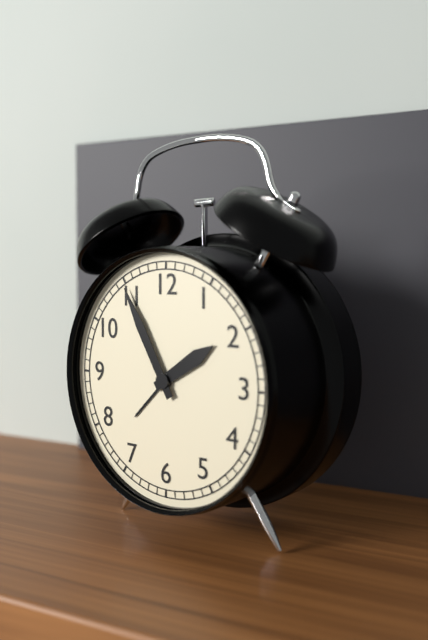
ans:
**1:55**
